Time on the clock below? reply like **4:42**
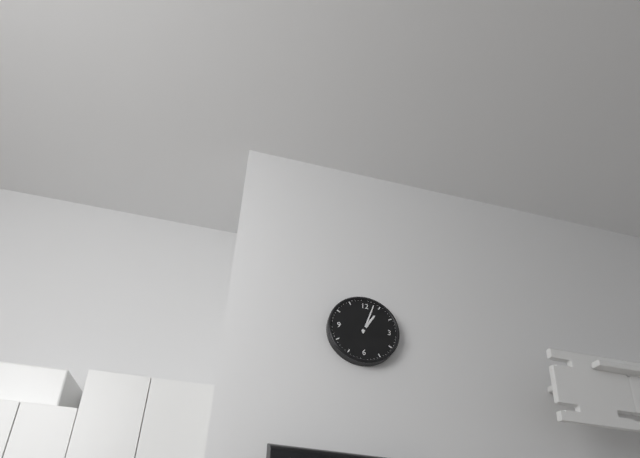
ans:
**1:03**
